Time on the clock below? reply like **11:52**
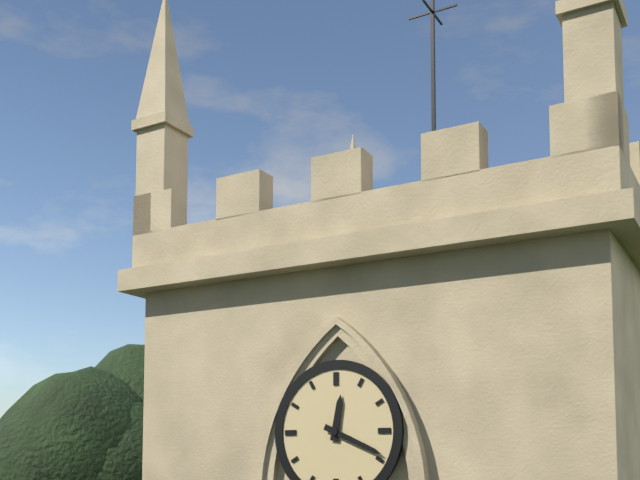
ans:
**12:19**
